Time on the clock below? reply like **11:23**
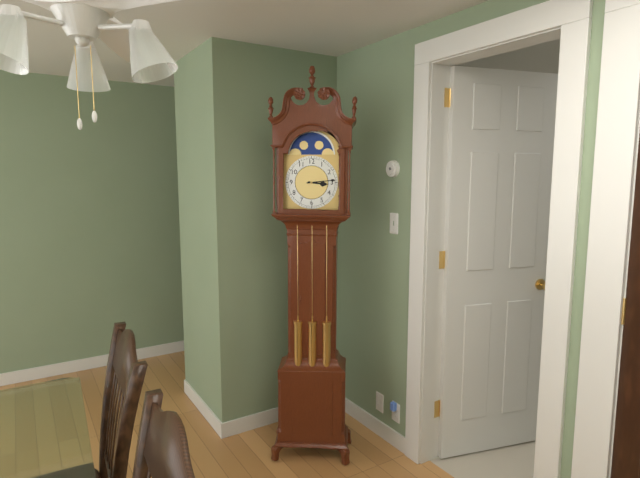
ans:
**3:14**
